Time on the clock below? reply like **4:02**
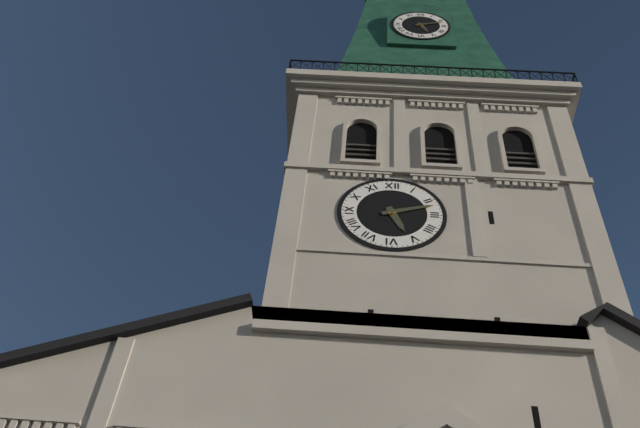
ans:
**5:12**
